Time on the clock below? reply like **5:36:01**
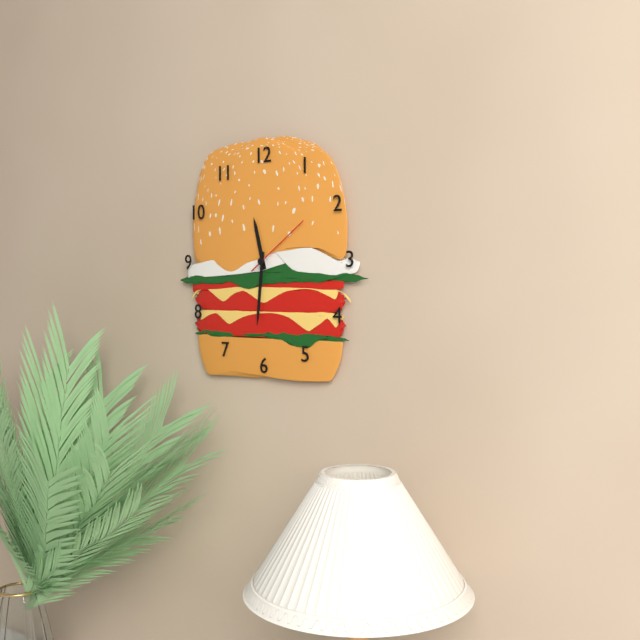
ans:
**11:31:09**
